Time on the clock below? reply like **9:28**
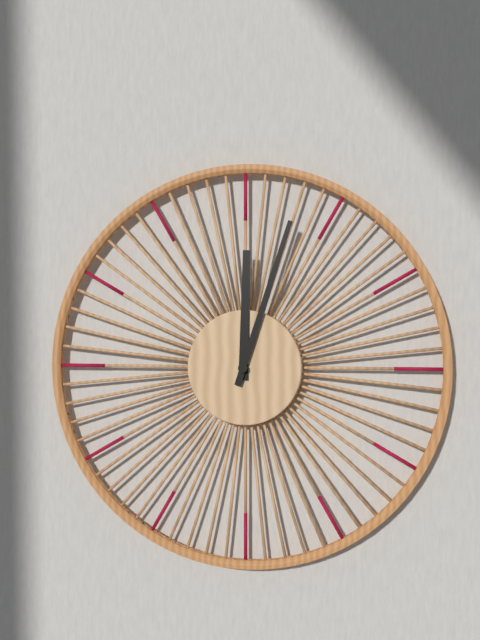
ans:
**12:03**
